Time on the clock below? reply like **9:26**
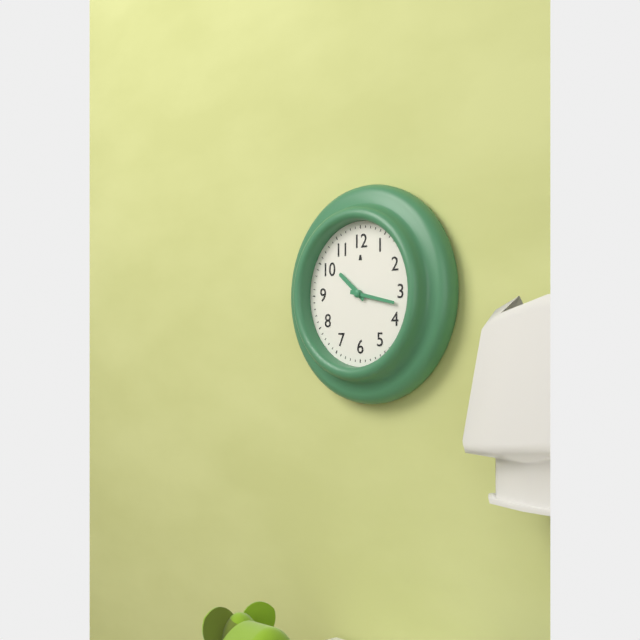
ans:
**10:17**
